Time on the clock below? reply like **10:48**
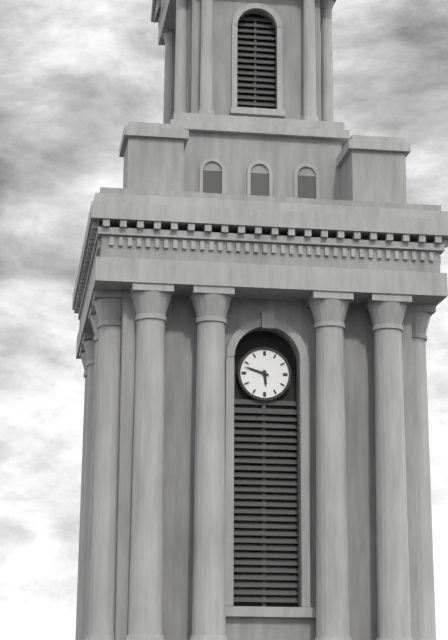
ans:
**5:48**
